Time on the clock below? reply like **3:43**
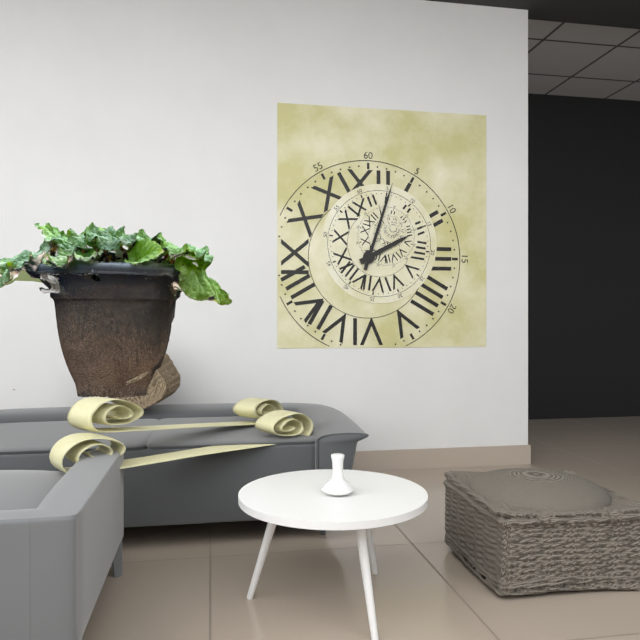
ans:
**2:03**
